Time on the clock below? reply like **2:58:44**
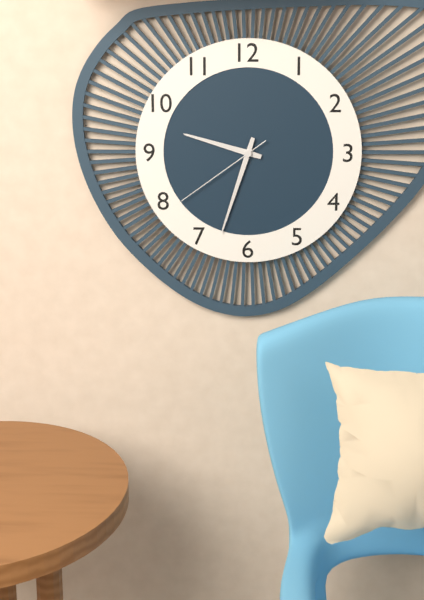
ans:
**9:33:39**
